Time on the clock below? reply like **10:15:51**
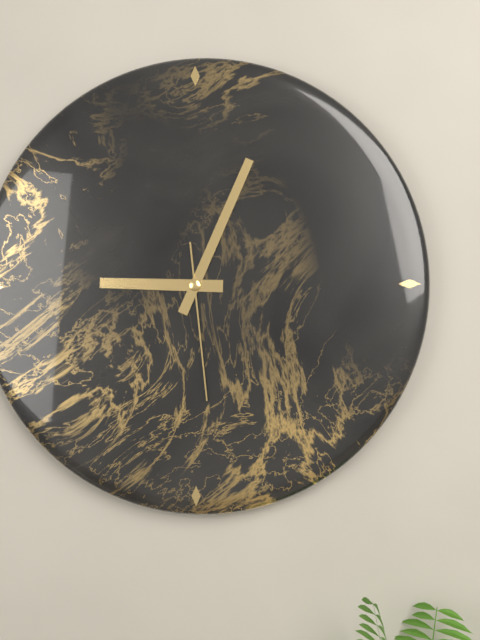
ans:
**9:04:29**
